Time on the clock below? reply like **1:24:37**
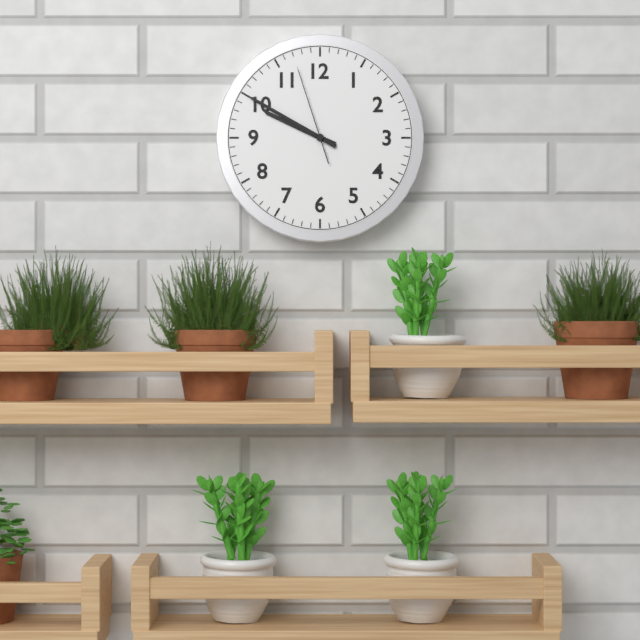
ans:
**9:50:57**
